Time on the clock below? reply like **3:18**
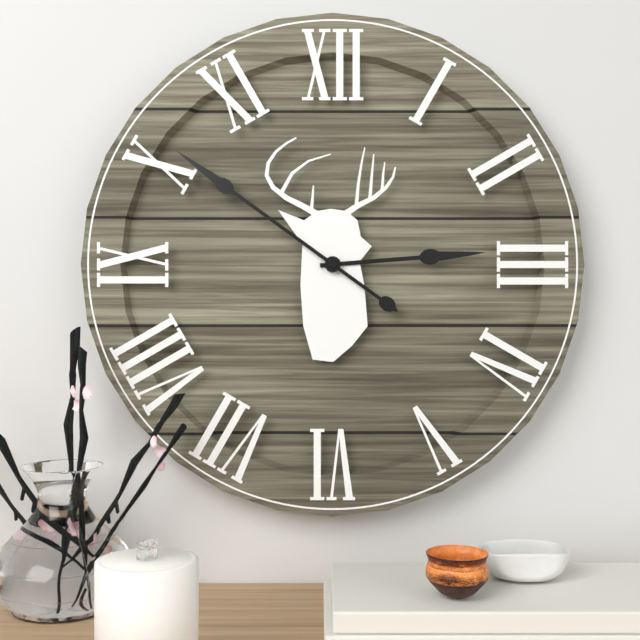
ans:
**2:51**
